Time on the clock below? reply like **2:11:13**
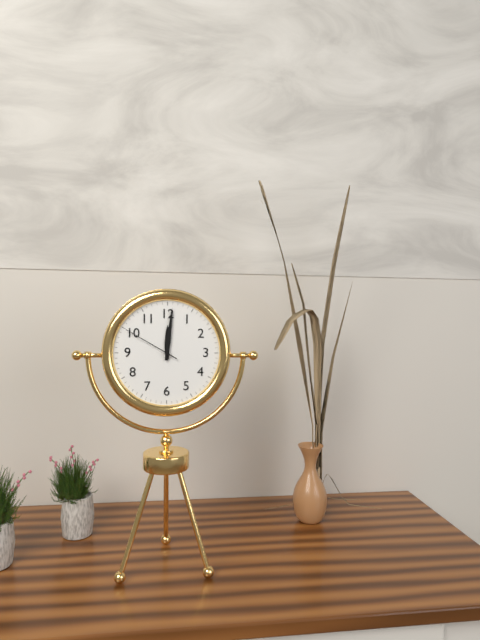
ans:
**12:01:50**
